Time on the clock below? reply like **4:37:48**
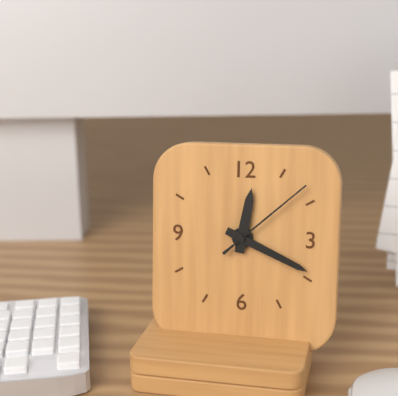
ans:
**12:19:08**
